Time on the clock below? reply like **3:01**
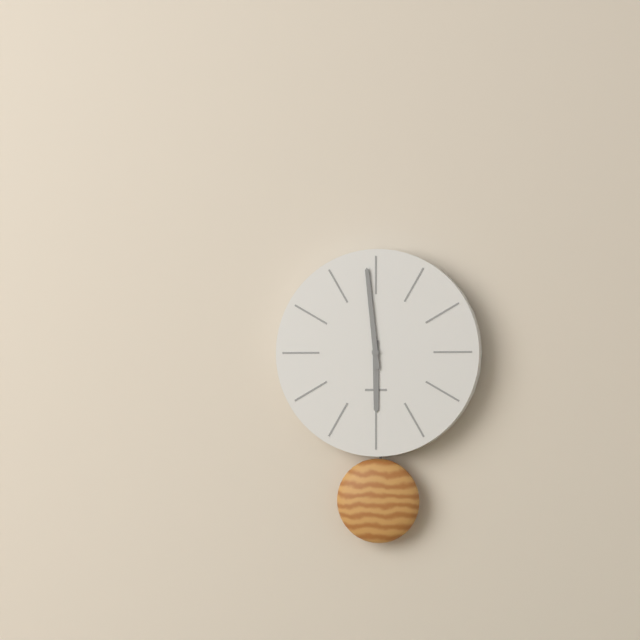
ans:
**5:59**
